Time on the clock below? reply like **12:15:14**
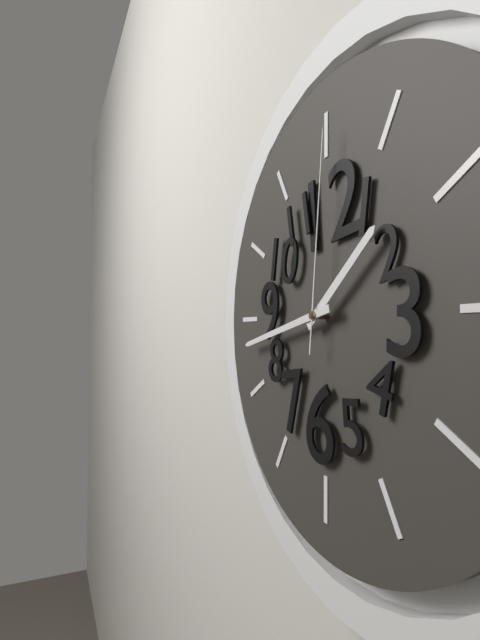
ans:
**1:43:01**
